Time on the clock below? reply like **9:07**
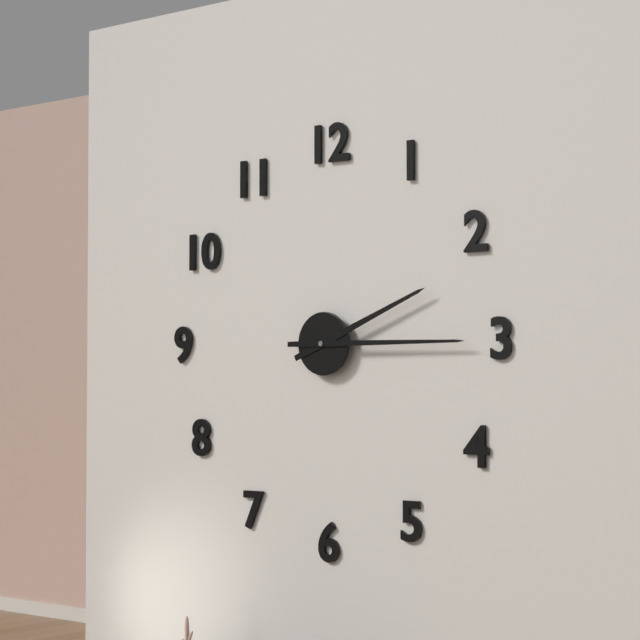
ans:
**2:15**
